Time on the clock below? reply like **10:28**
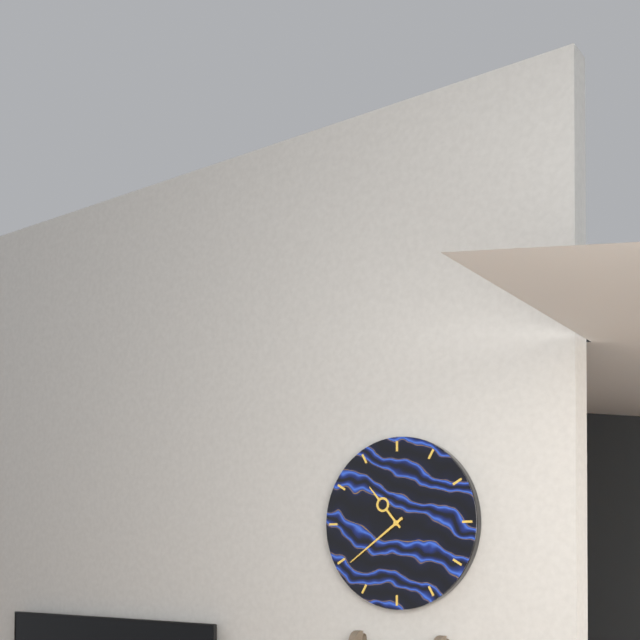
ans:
**10:39**
